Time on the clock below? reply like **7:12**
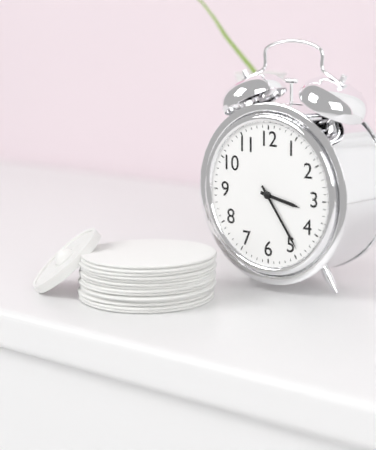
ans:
**3:24**
